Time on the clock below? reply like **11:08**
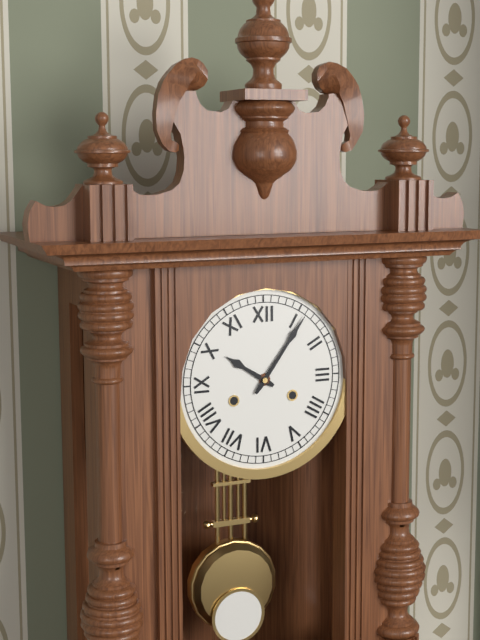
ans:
**10:06**
